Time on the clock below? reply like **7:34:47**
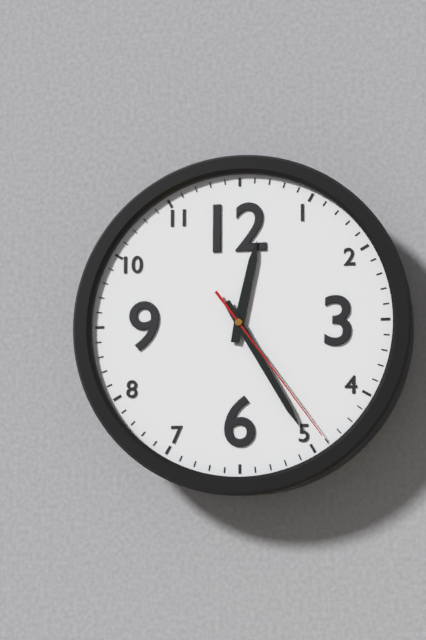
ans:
**12:25:24**
